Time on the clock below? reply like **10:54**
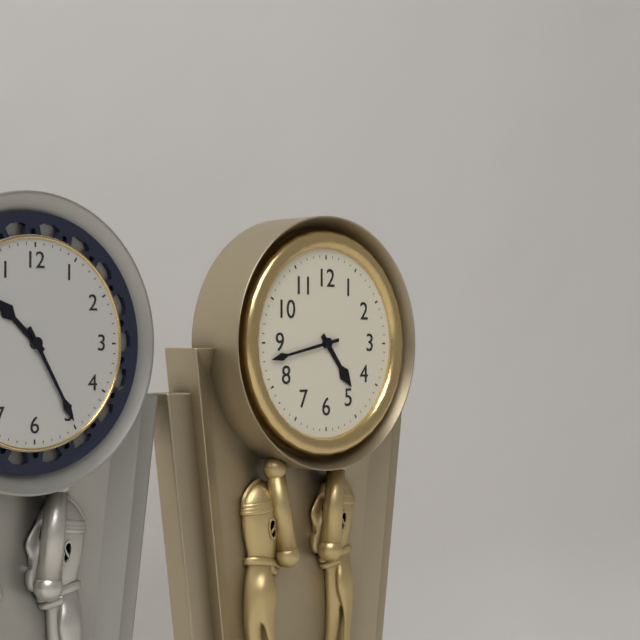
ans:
**4:43**
